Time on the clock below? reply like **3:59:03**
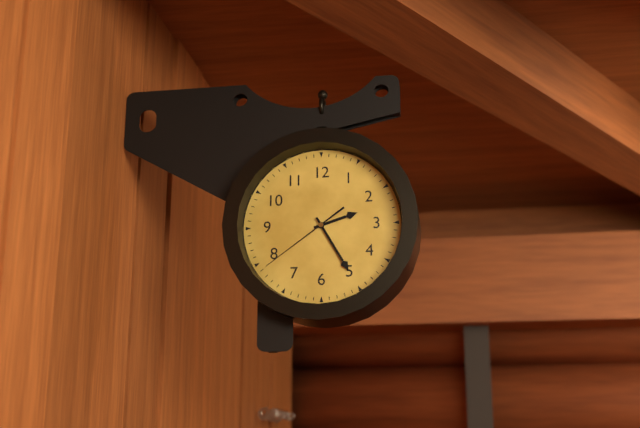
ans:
**2:25:39**
